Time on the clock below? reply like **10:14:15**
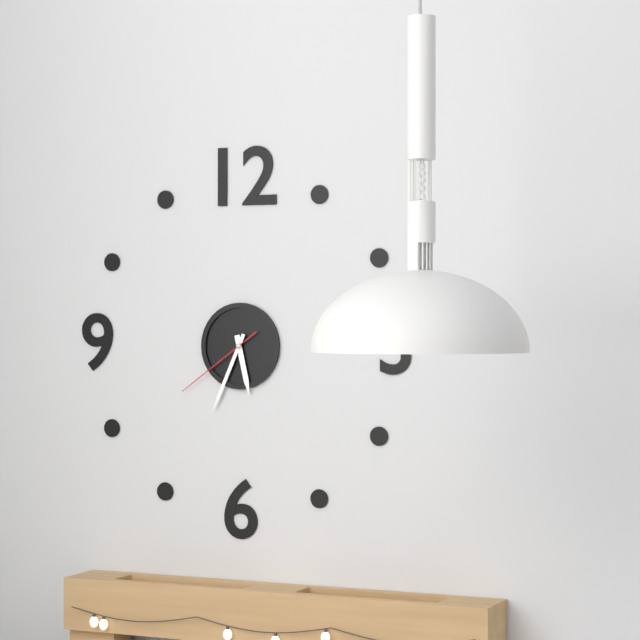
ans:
**5:34:39**
